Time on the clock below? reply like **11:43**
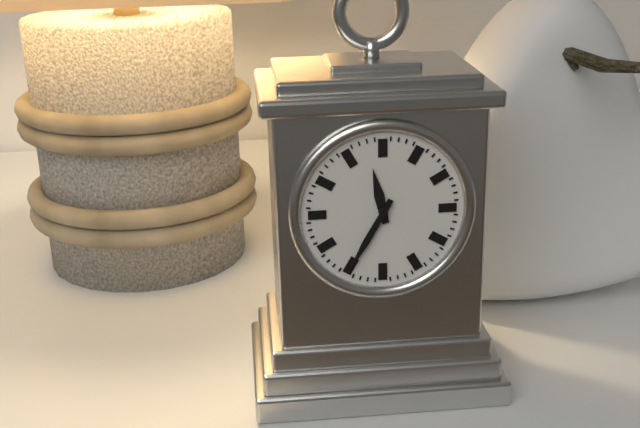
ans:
**11:35**
